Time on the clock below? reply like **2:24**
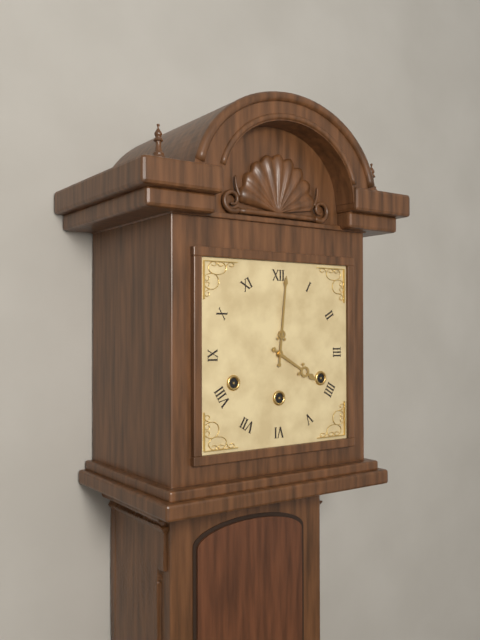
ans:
**4:01**
